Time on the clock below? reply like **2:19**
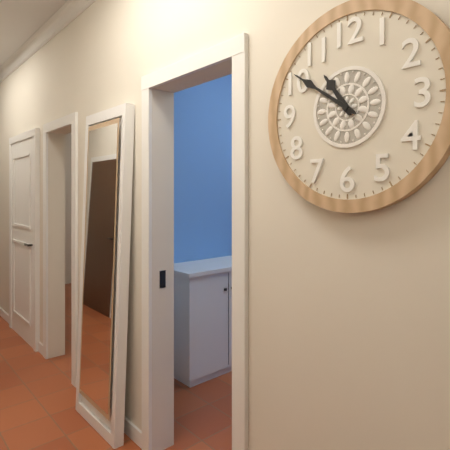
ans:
**10:51**
